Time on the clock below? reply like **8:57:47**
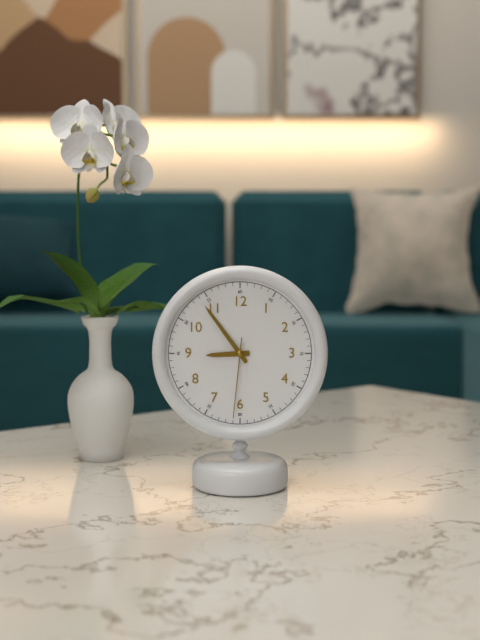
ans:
**8:54:31**
